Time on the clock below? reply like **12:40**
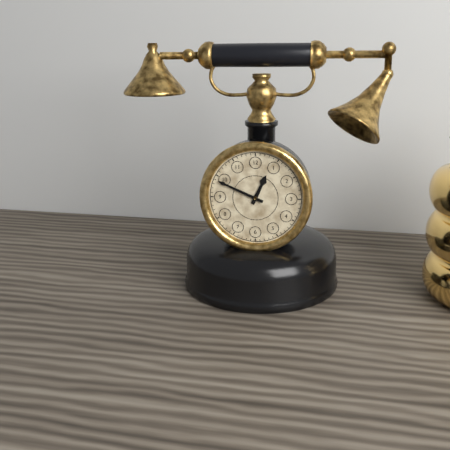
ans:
**12:49**
